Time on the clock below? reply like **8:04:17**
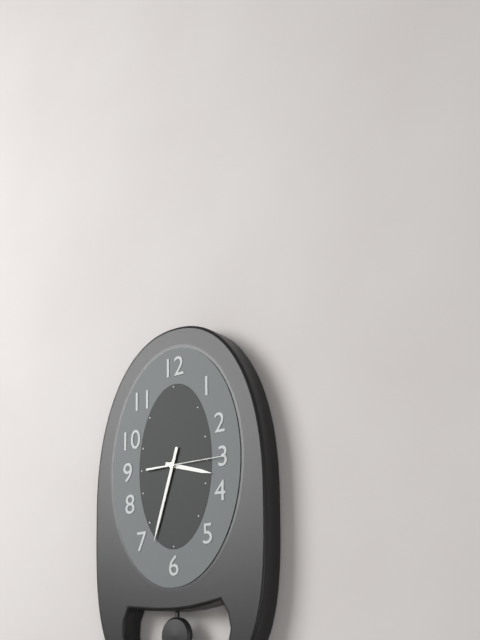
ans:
**3:33:15**
